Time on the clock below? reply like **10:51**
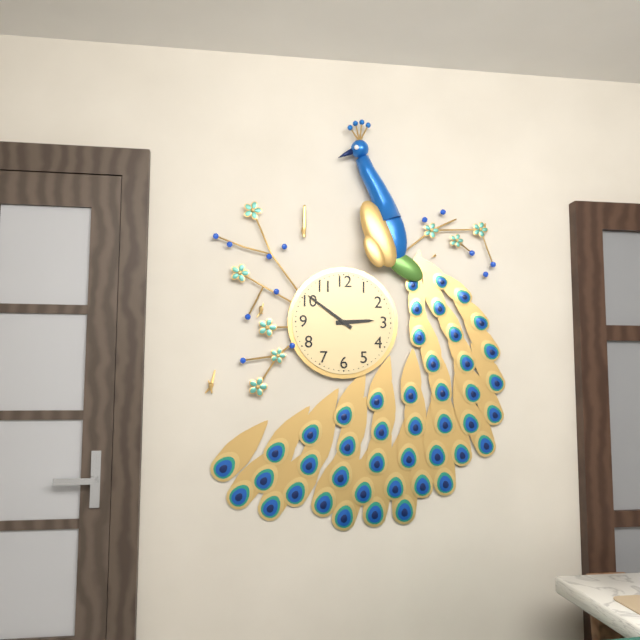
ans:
**2:51**
